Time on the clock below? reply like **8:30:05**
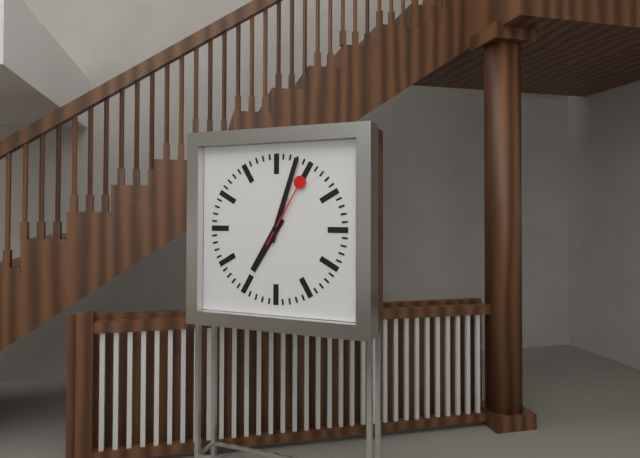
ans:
**7:03:05**
